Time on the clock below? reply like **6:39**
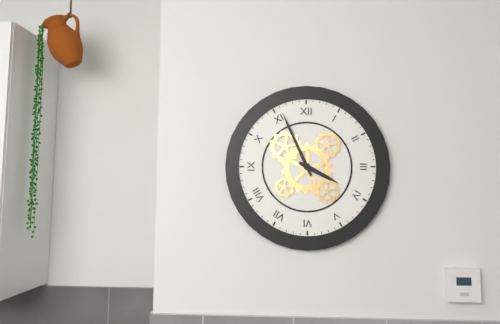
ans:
**3:56**
